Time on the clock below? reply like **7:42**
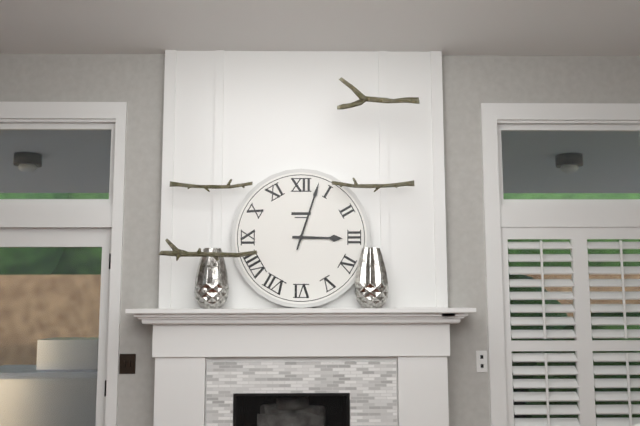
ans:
**3:03**
